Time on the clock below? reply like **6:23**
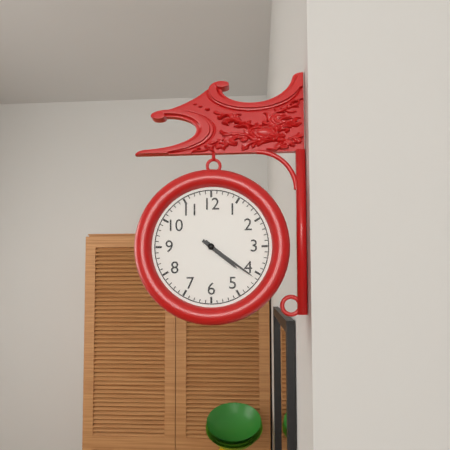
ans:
**4:21**
